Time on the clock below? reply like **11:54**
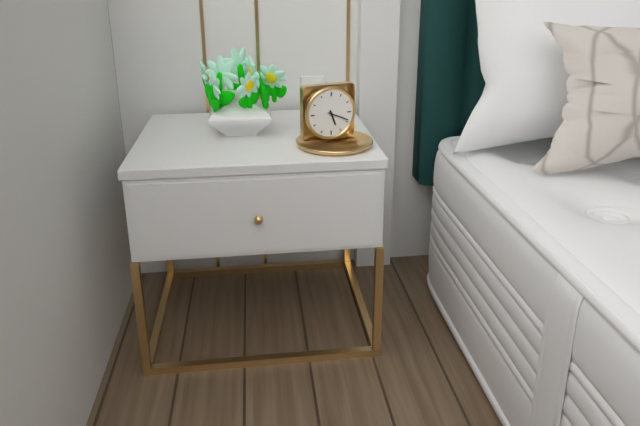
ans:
**5:19**
